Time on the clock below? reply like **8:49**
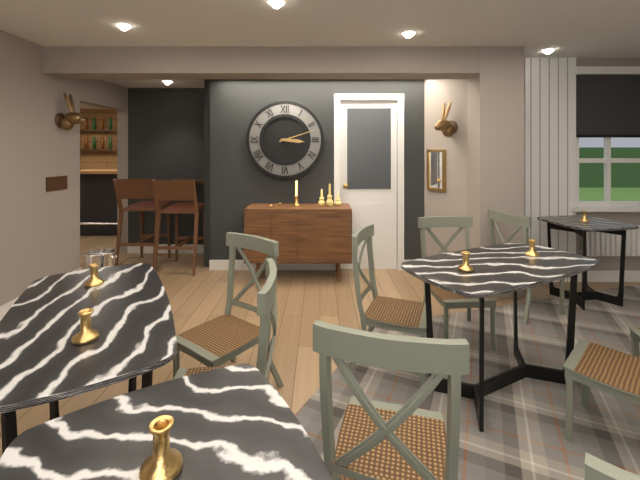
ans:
**3:12**
